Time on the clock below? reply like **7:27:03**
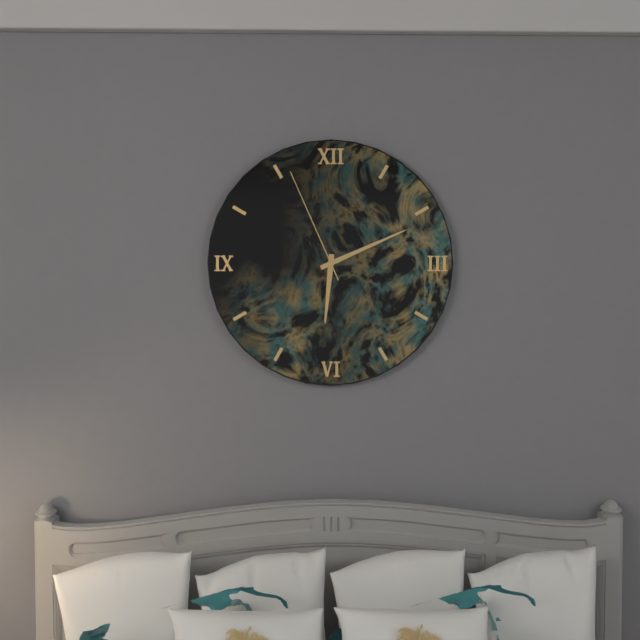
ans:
**6:11:56**
